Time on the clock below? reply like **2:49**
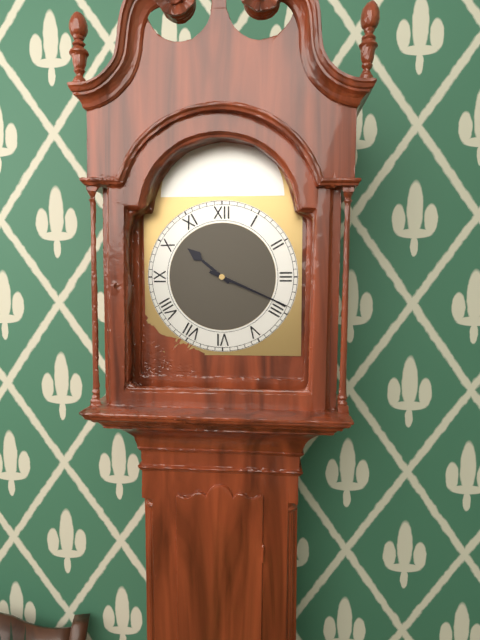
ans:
**10:19**
